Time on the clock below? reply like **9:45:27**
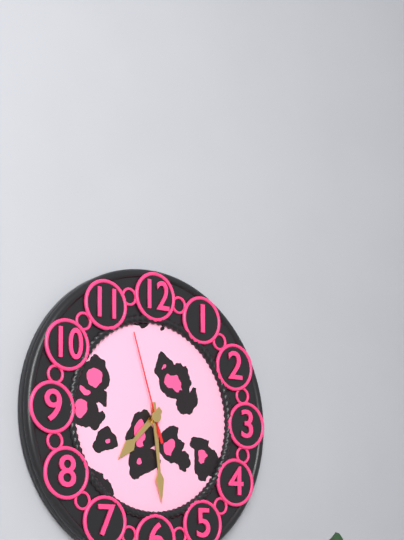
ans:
**7:29:57**
